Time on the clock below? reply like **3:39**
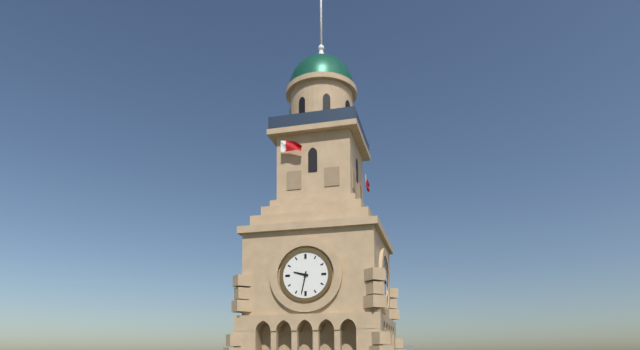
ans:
**9:32**
